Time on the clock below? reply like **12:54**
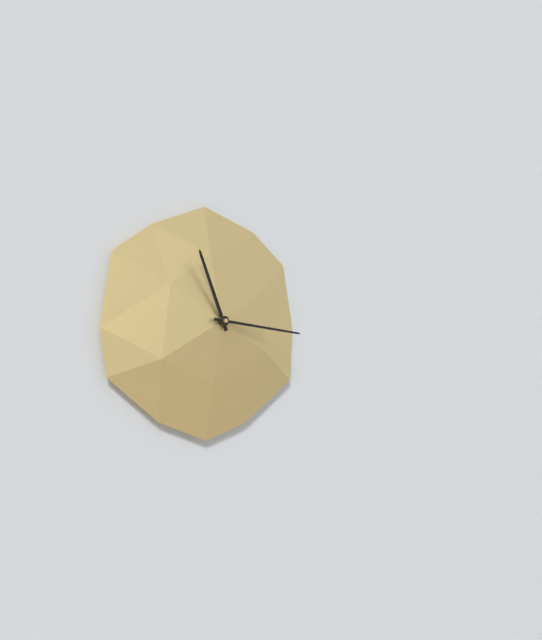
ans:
**11:16**
